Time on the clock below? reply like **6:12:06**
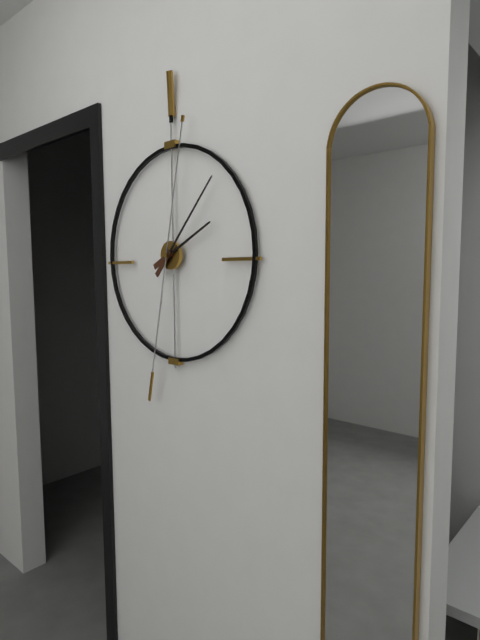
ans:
**2:07:32**
